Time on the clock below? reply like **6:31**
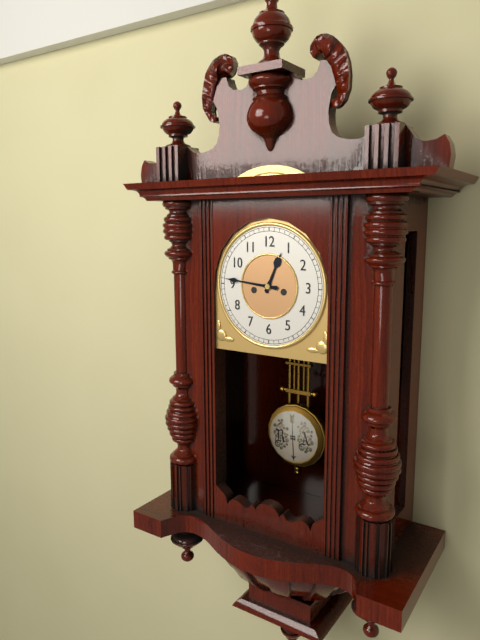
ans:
**12:46**
